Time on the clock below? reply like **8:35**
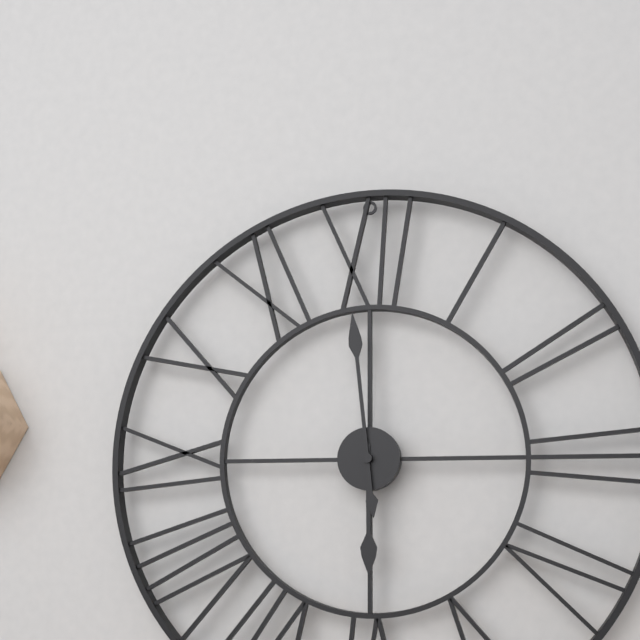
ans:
**5:59**
